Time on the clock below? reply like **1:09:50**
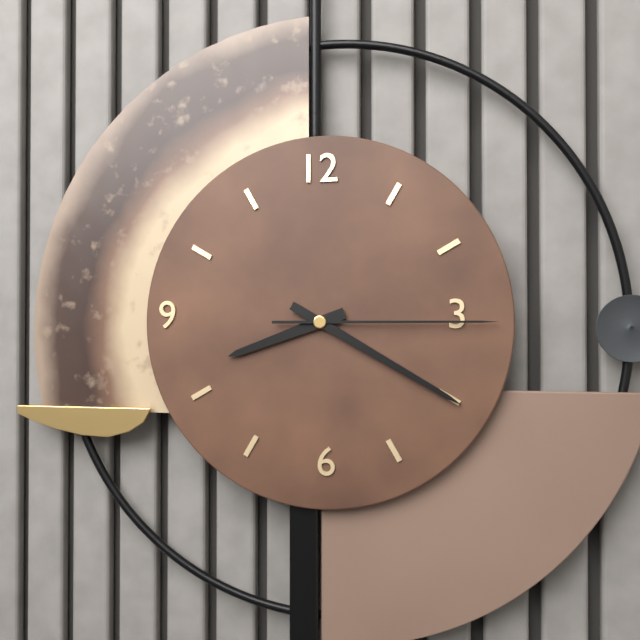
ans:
**8:20:15**
